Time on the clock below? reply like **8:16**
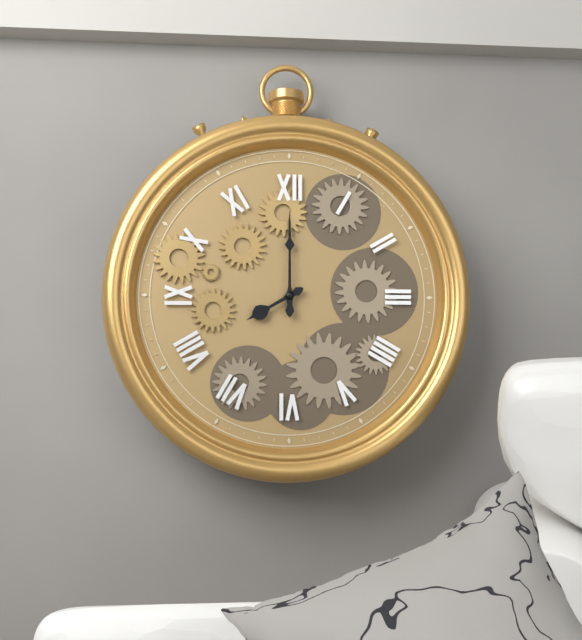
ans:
**8:00**
